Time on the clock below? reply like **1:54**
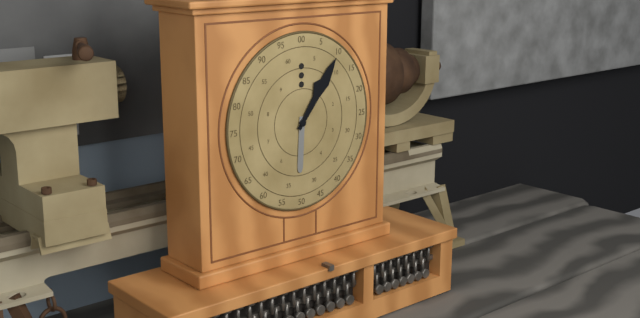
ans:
**6:06**
